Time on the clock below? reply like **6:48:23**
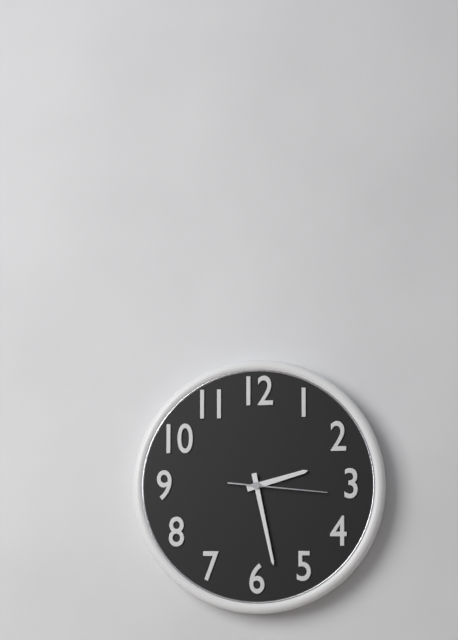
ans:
**2:28:16**
